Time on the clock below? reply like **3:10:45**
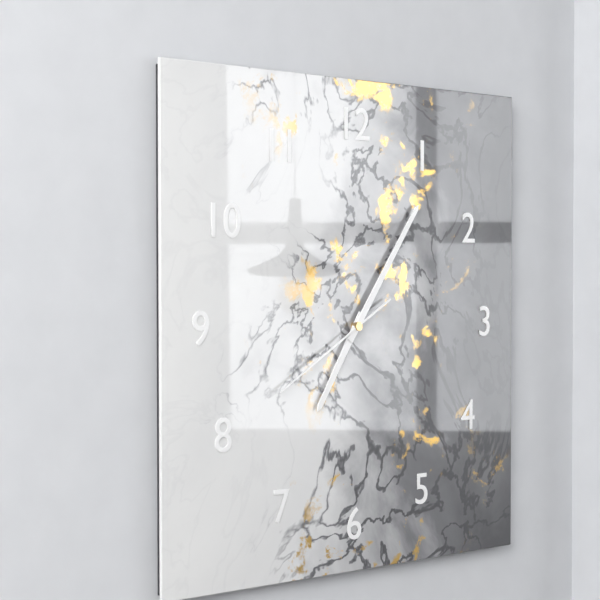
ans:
**7:06:40**
